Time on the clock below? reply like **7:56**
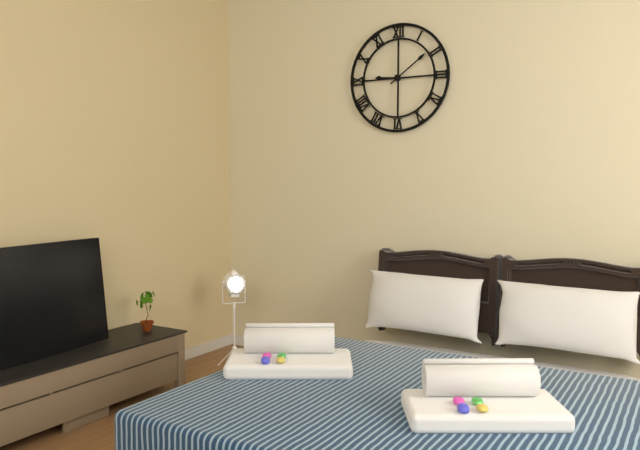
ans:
**9:09**
